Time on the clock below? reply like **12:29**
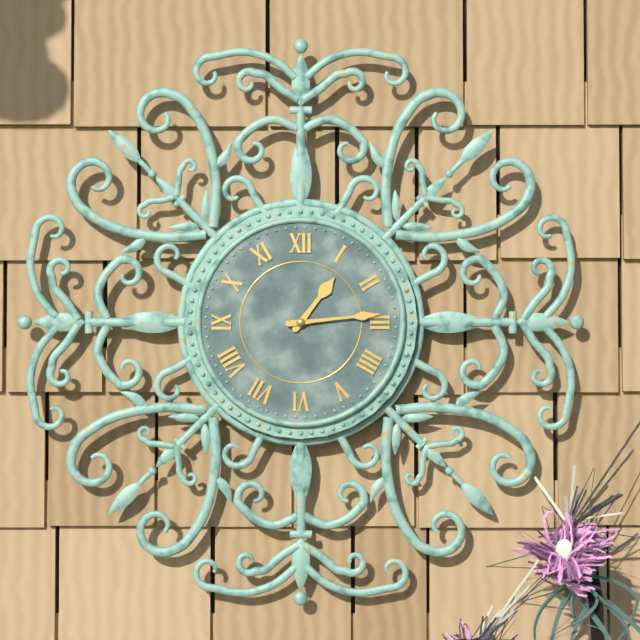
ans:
**1:14**
